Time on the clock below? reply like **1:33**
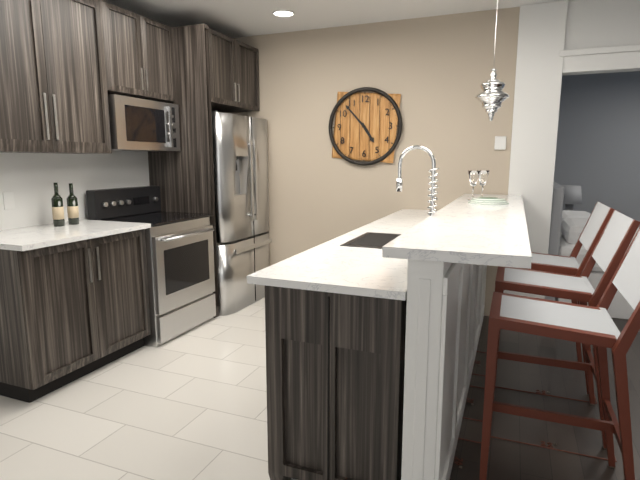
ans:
**4:53**
